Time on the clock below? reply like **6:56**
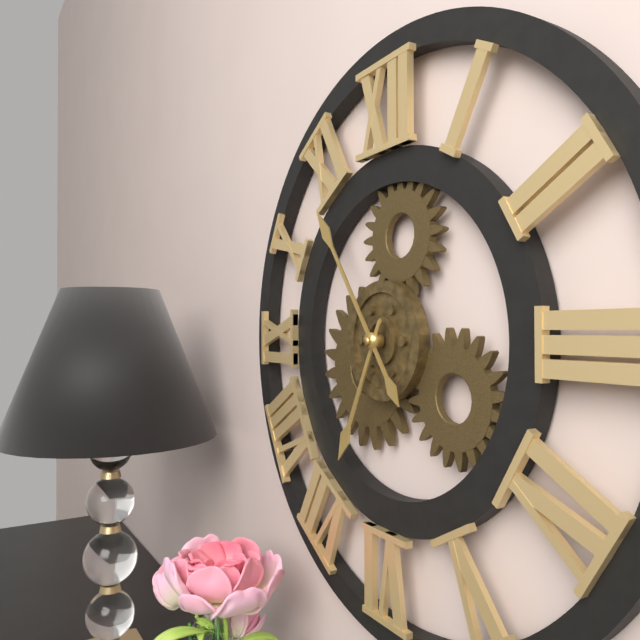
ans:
**6:54**
